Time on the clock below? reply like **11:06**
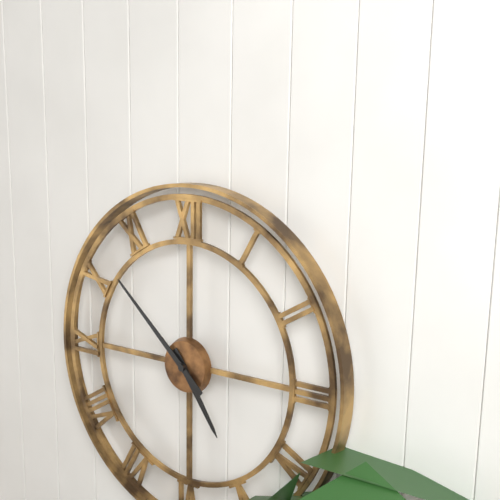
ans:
**4:52**
